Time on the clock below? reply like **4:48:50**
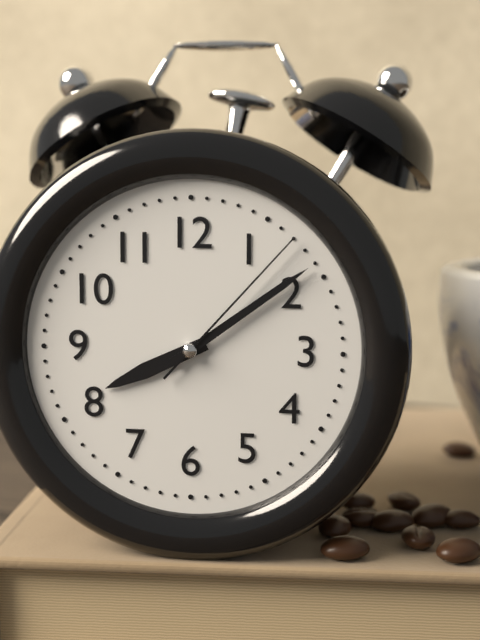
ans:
**8:09:07**
